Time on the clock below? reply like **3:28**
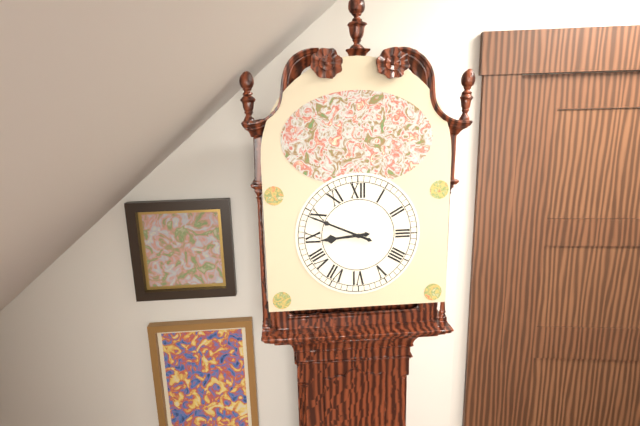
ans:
**8:49**
